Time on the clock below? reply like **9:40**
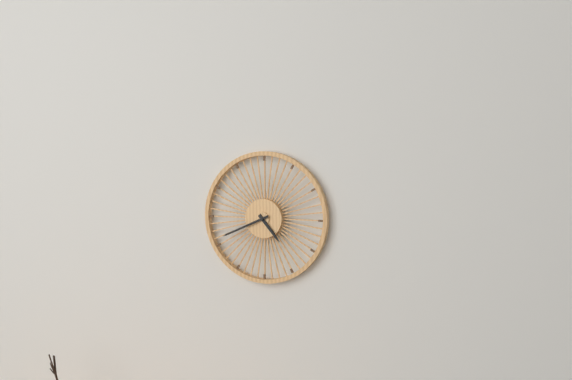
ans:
**4:41**
